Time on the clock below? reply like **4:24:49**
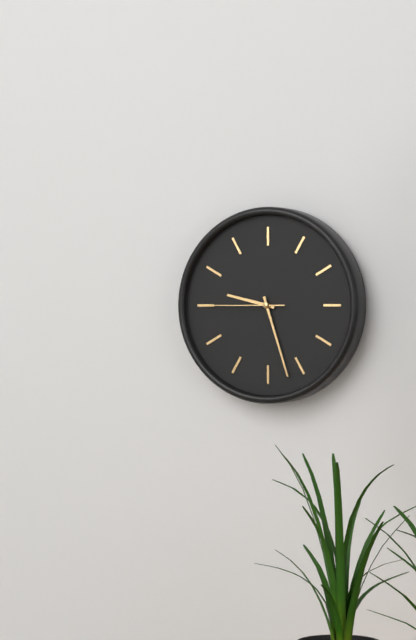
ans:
**9:27:45**
